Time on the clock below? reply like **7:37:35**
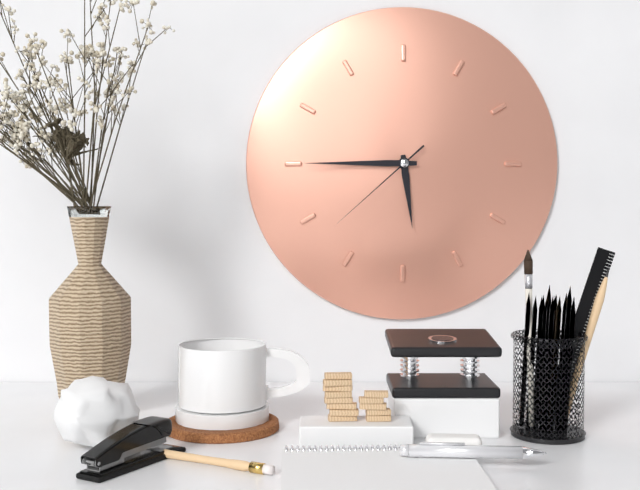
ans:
**5:45:38**
